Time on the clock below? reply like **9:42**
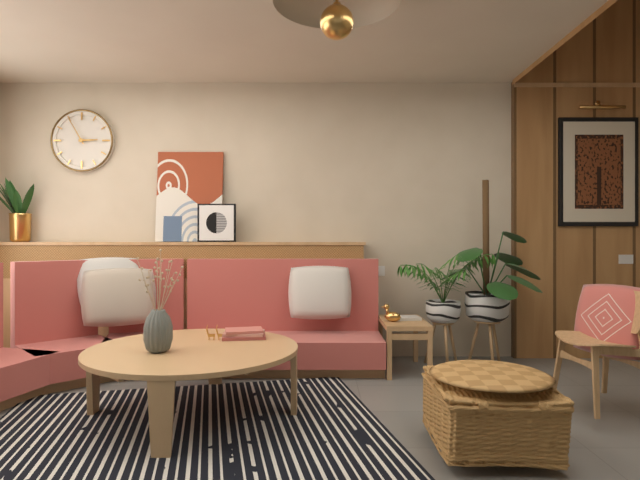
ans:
**2:55**
